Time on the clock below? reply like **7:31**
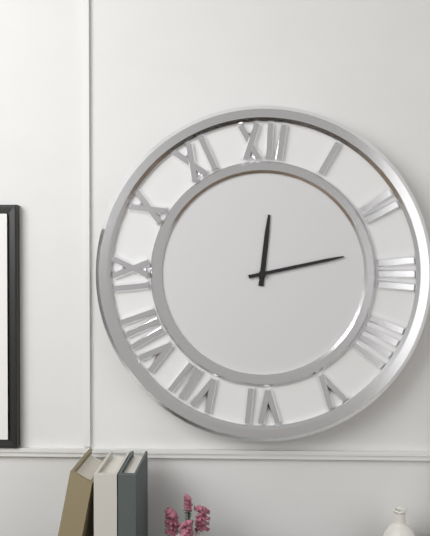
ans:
**12:13**
